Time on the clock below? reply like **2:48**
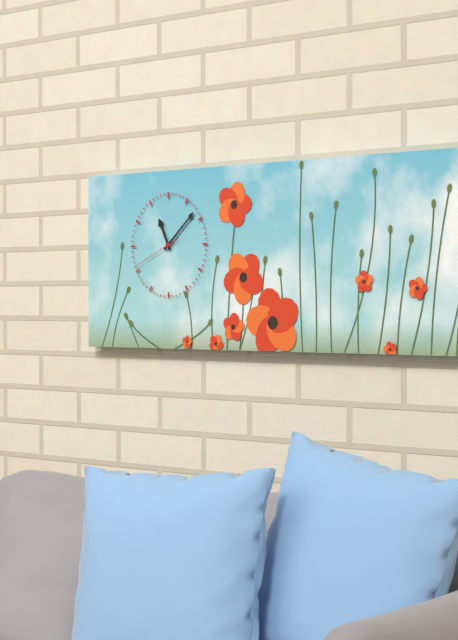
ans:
**11:08**
